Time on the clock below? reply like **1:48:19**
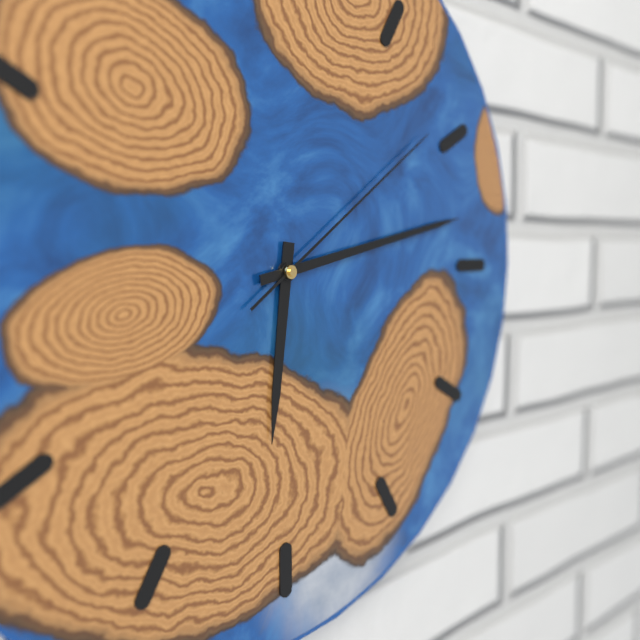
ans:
**6:13:09**
